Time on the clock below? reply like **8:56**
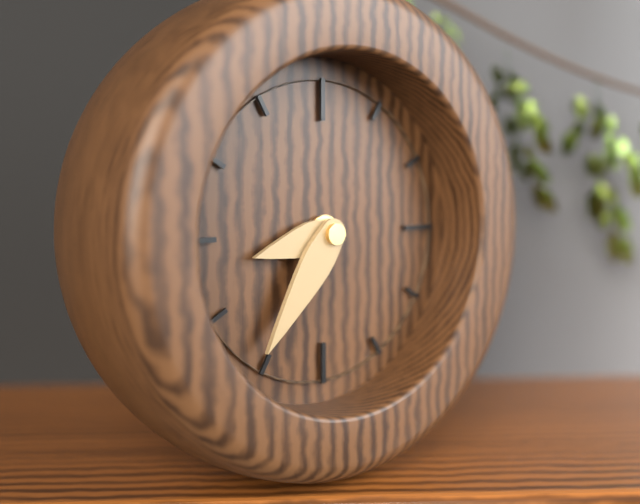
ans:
**8:36**
